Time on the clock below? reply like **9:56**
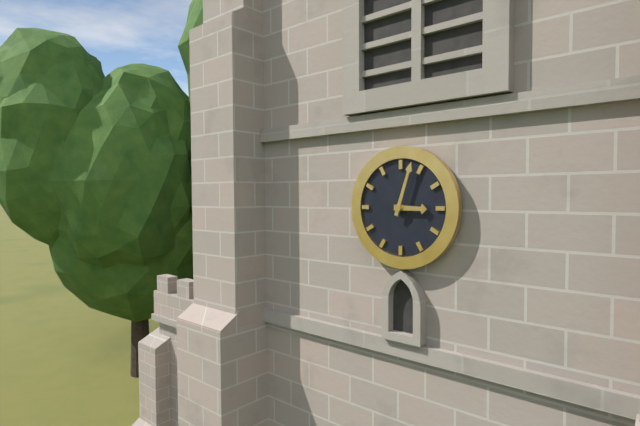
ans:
**3:03**
